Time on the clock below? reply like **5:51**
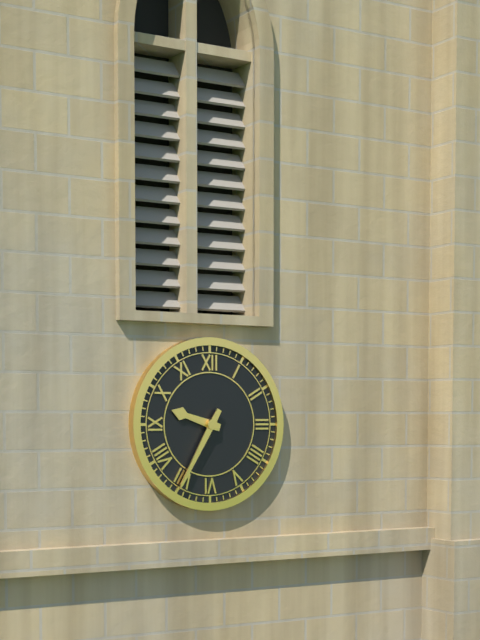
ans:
**9:35**
